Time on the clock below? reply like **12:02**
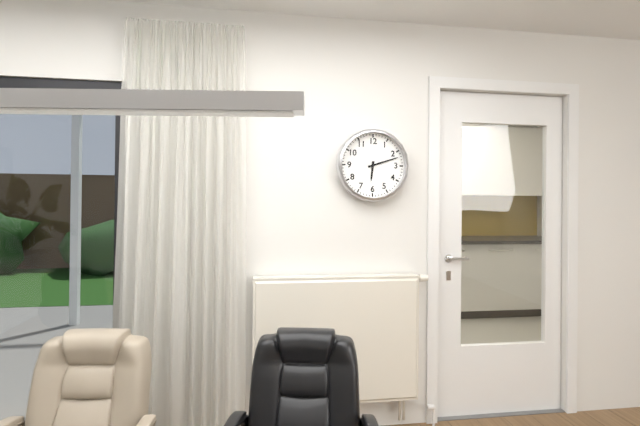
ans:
**6:12**
